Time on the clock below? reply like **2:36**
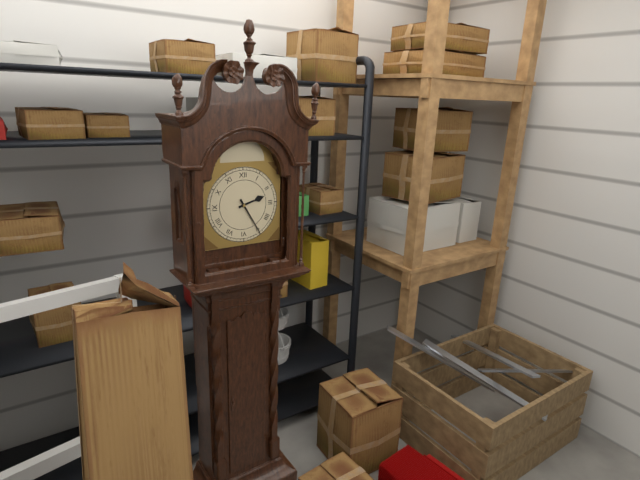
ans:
**2:25**
